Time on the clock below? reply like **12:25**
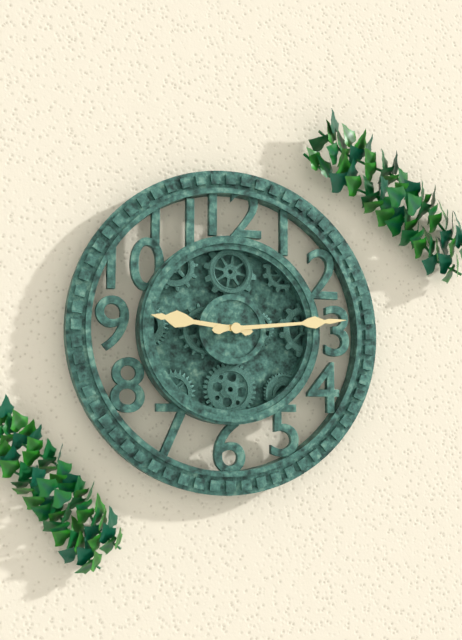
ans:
**9:14**
